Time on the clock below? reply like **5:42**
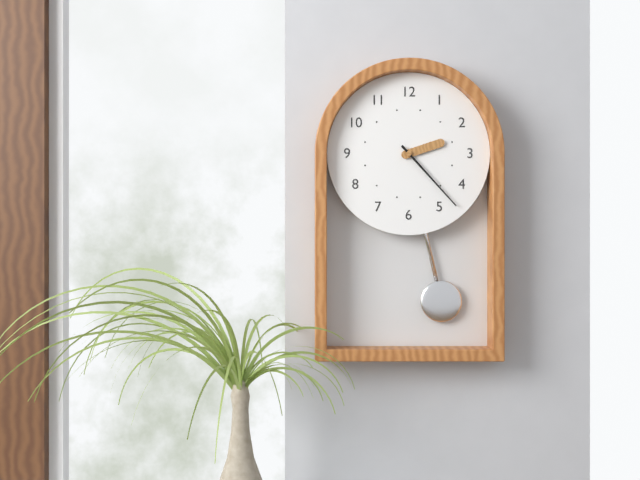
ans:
**2:23**
